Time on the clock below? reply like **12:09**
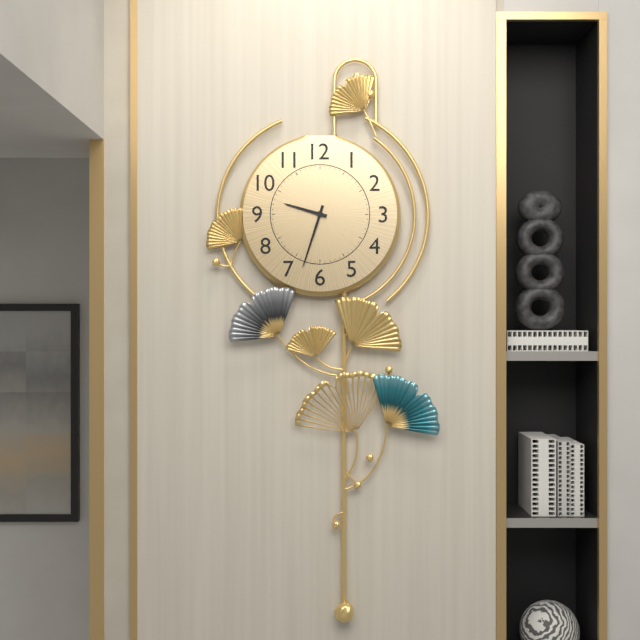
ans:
**9:33**
